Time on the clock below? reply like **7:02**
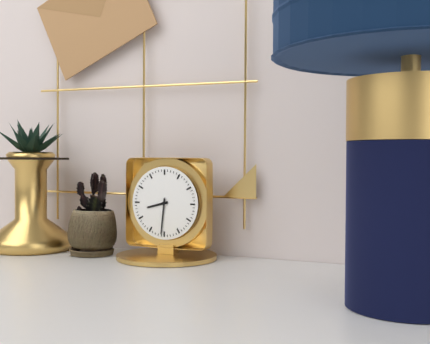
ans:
**8:31**
